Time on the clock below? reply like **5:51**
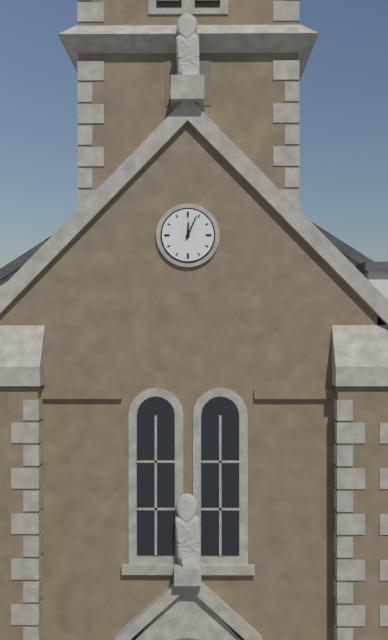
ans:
**12:04**
